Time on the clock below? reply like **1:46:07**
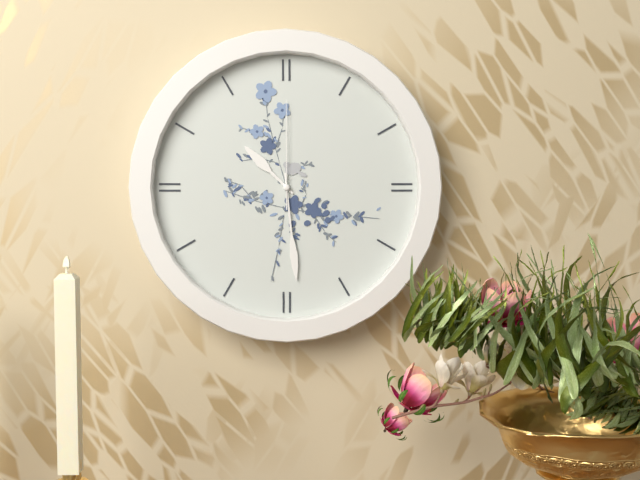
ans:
**10:29:00**
